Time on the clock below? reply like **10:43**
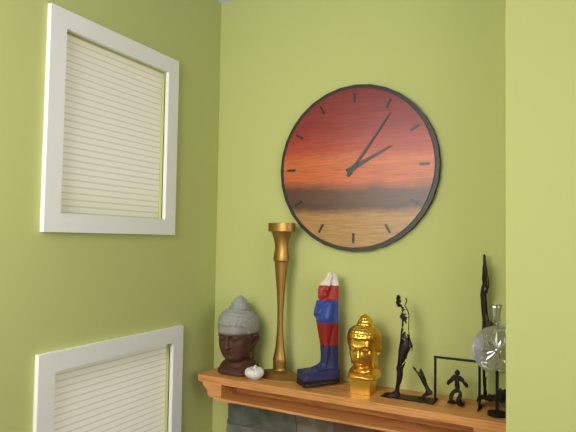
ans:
**2:06**
